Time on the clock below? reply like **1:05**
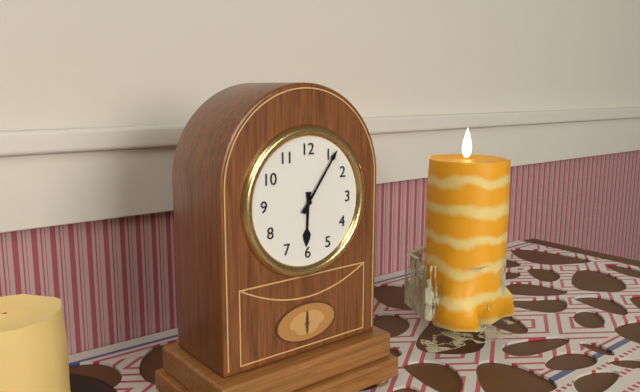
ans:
**6:06**
